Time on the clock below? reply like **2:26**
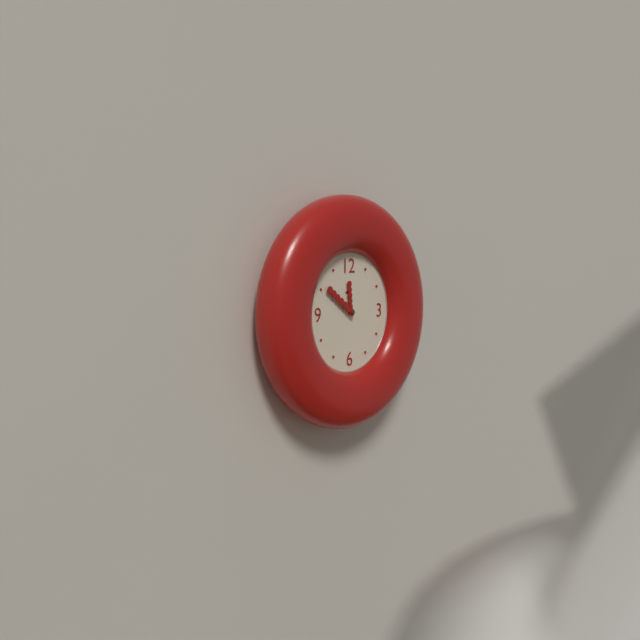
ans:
**11:51**
